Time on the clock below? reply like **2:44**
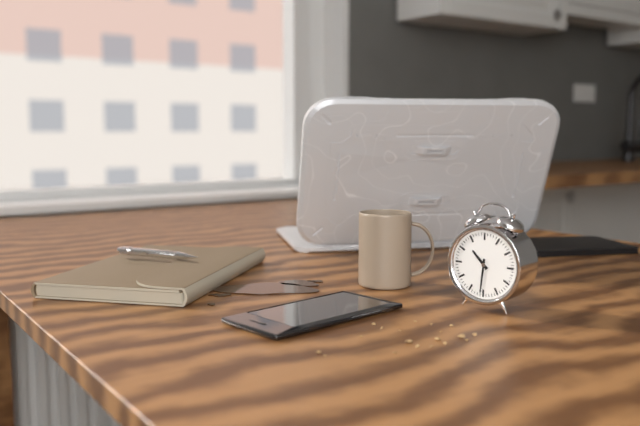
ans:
**10:31**
